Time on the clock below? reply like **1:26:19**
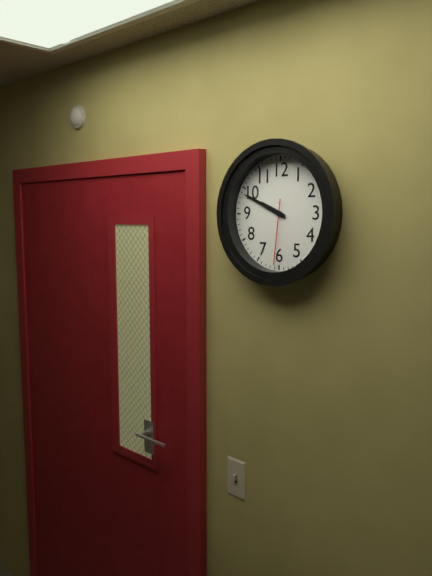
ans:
**9:49:31**
